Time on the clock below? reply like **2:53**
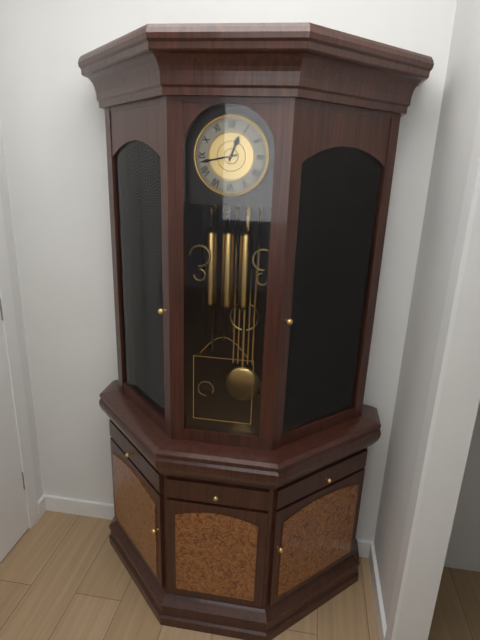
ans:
**12:43**
